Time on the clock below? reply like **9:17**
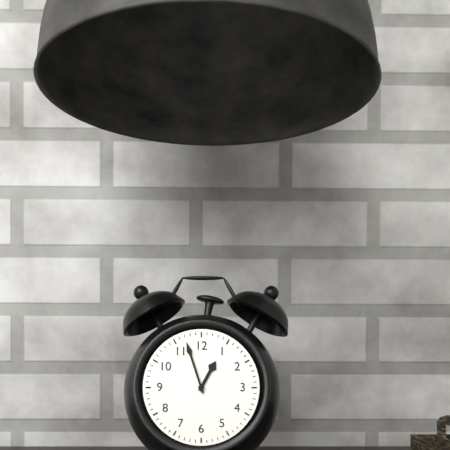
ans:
**12:57**
